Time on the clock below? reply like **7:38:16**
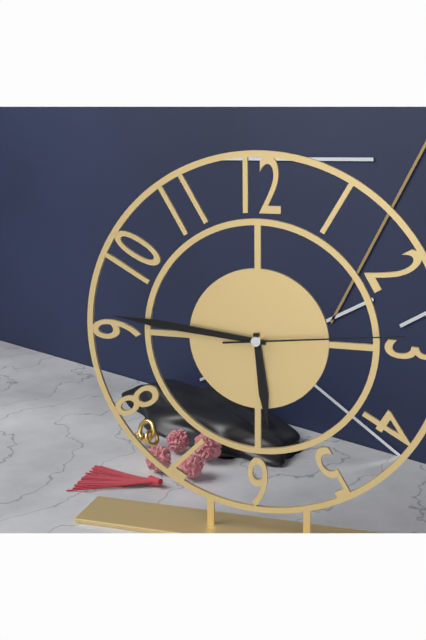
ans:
**5:46:14**
